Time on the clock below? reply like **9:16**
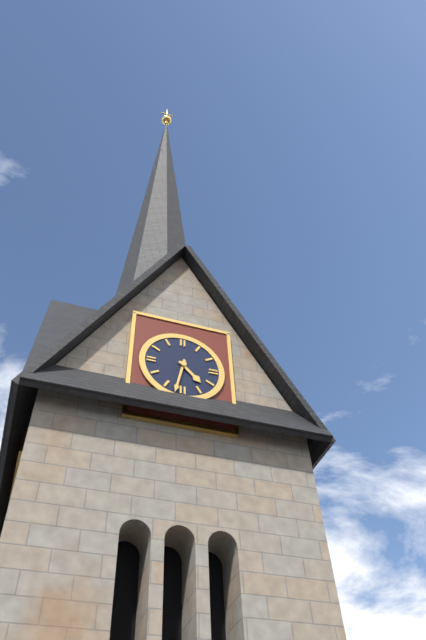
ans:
**4:32**
